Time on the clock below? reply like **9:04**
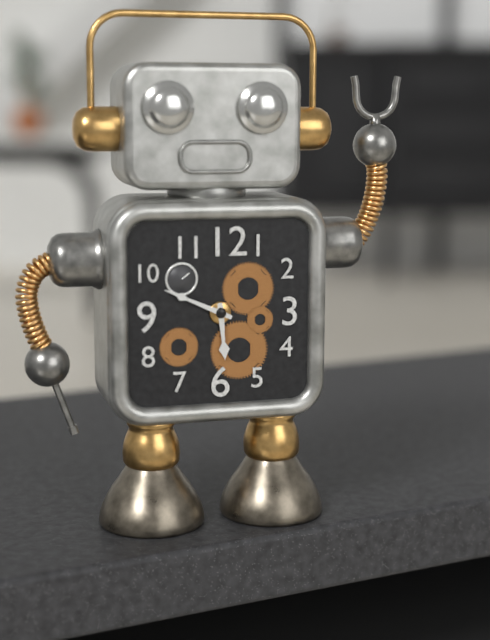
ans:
**5:49**
